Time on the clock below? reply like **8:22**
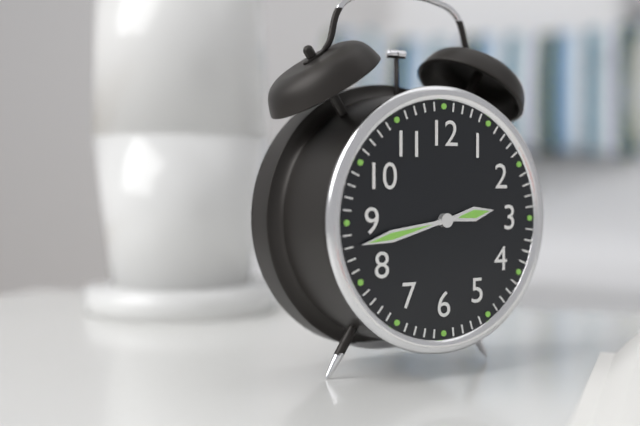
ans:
**2:43**
